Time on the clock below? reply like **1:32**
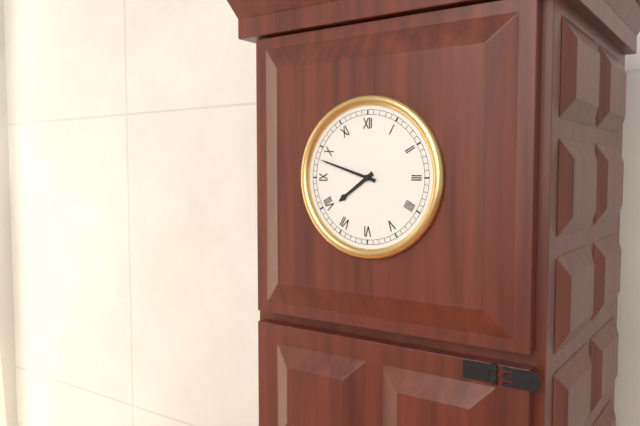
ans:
**7:48**
